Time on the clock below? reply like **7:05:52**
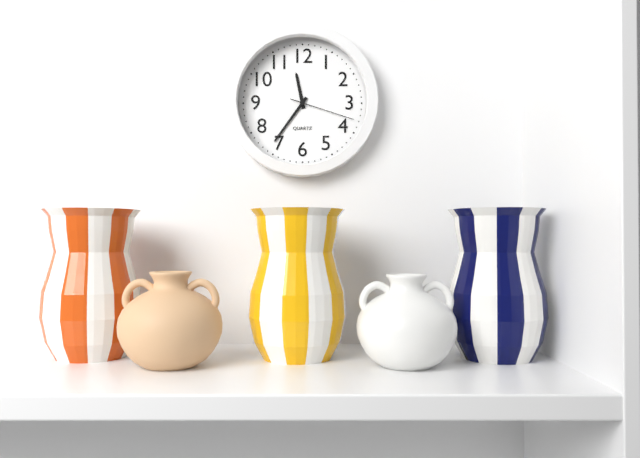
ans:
**11:36:18**
